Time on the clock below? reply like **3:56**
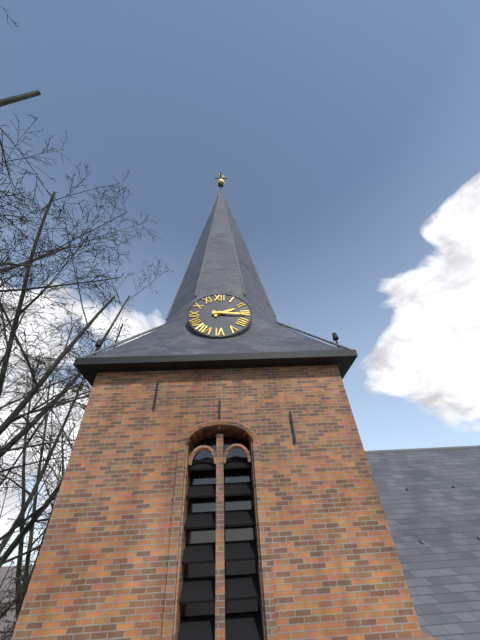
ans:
**2:16**
